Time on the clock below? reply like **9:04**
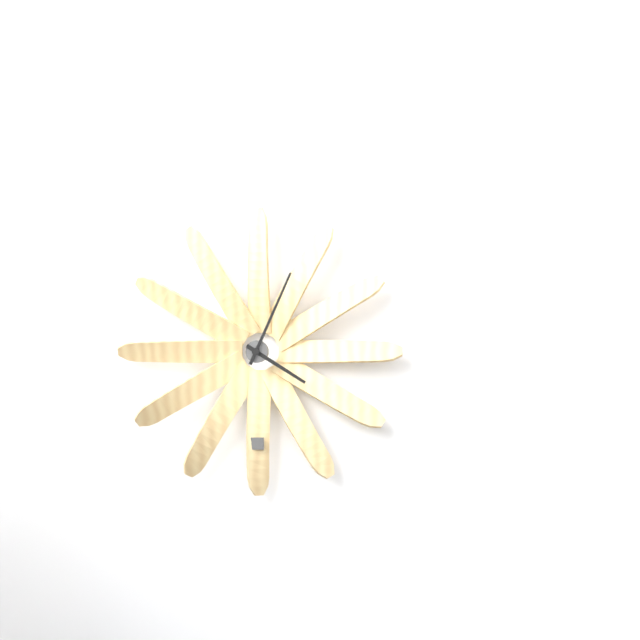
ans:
**4:04**
